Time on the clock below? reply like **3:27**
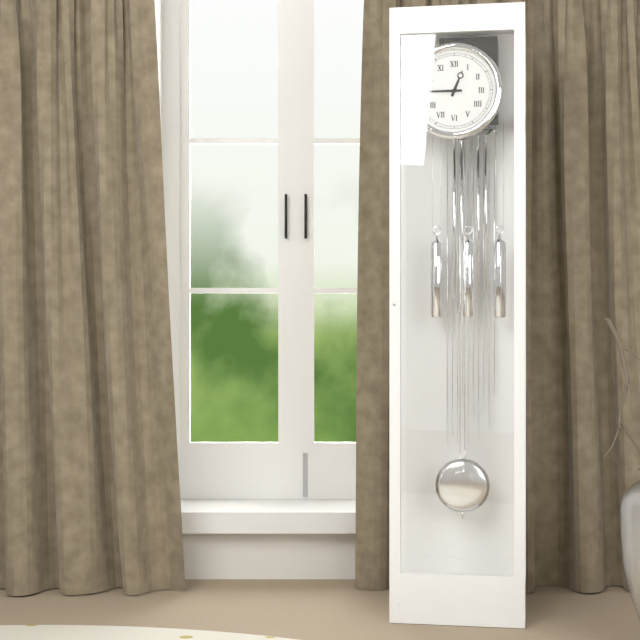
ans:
**12:45**
